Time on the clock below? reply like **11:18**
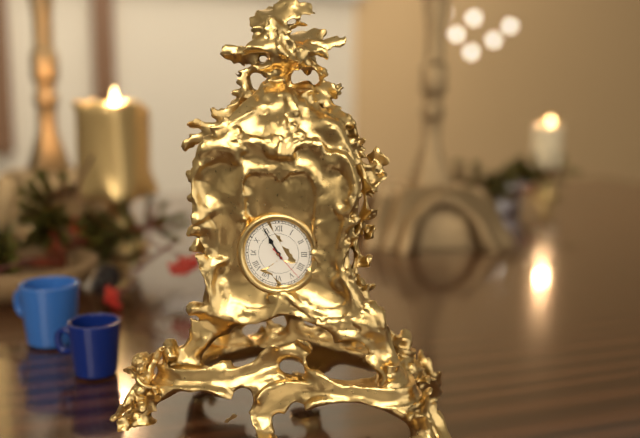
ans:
**10:55**
